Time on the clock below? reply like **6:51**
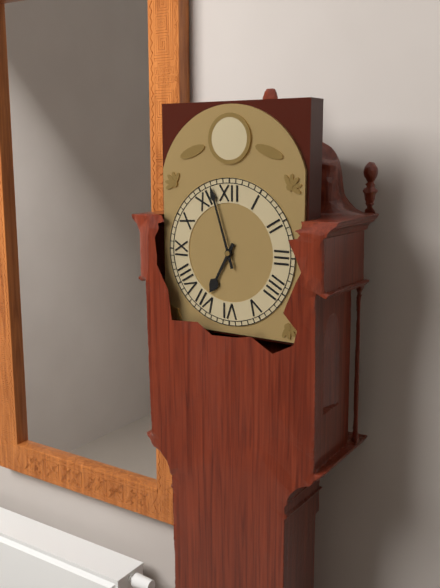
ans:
**6:57**
